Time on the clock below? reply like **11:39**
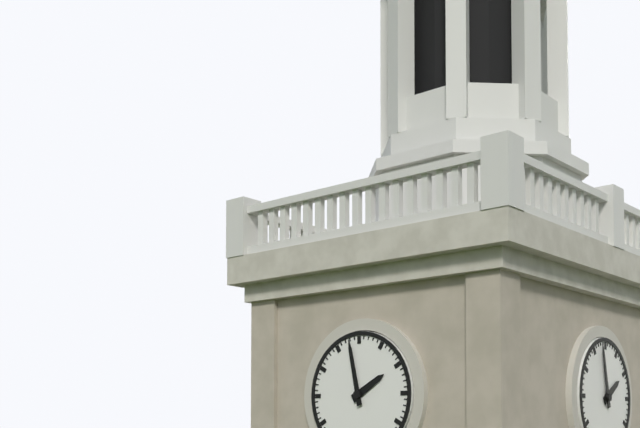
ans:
**1:58**
